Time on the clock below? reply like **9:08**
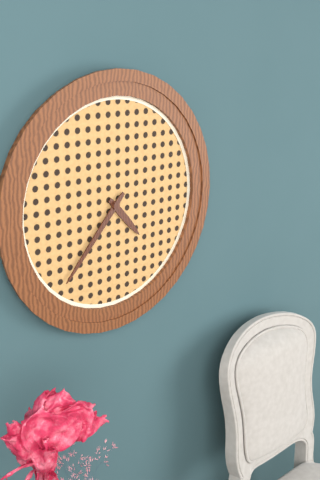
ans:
**4:37**
